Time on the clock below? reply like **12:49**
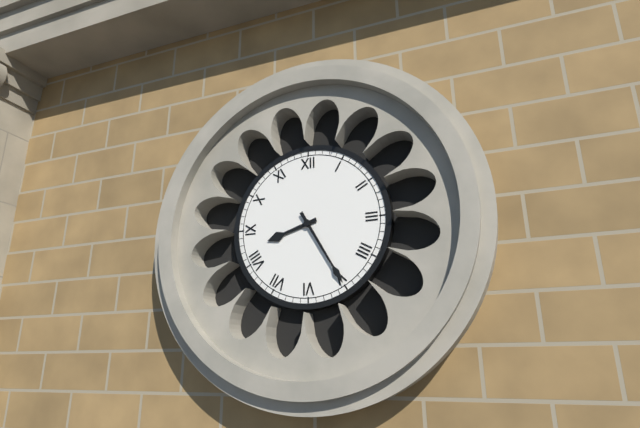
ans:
**8:25**
